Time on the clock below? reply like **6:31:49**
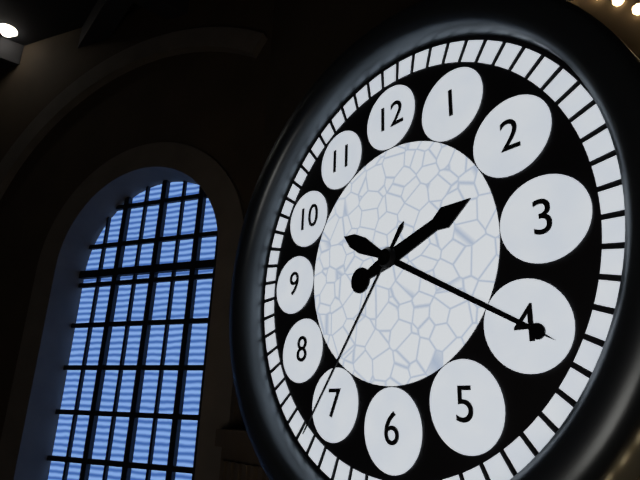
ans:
**2:20:36**
